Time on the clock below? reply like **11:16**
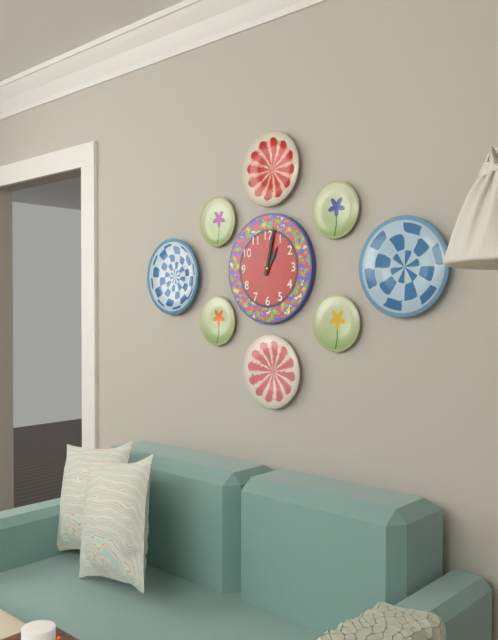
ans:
**1:02**
